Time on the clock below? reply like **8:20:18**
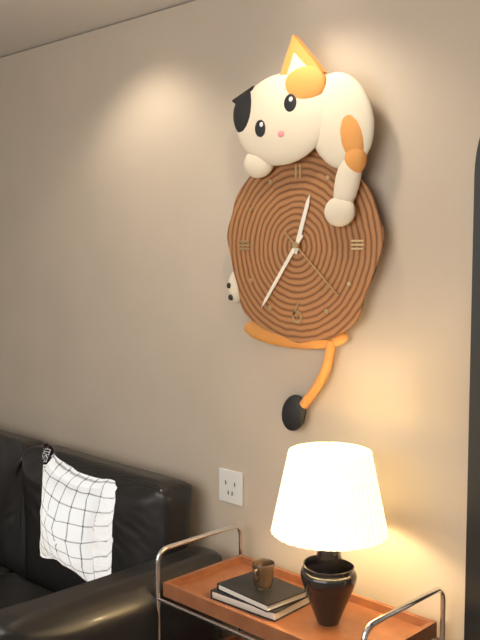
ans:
**12:36:22**
